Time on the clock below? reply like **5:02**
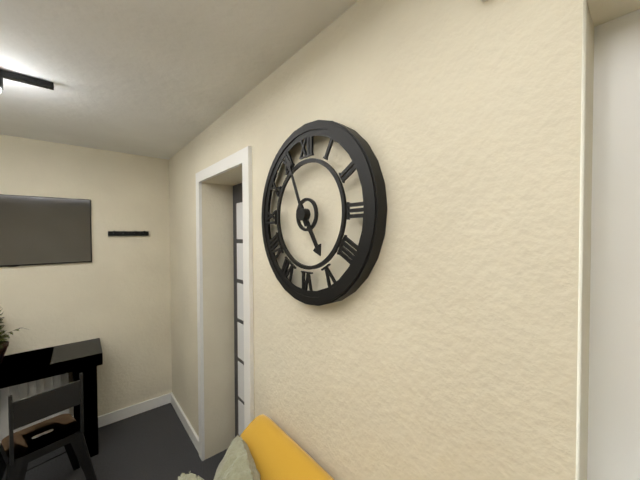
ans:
**4:56**
